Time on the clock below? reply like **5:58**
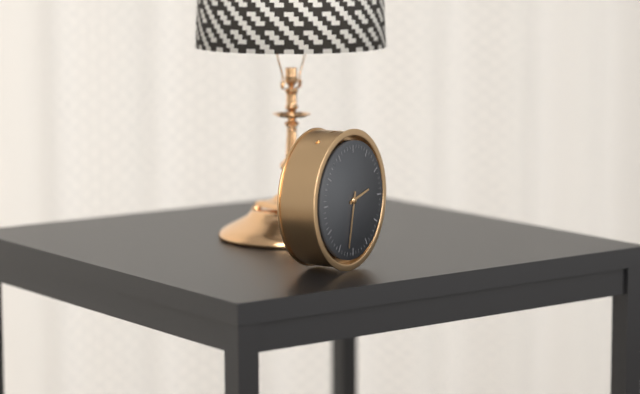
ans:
**2:32**
